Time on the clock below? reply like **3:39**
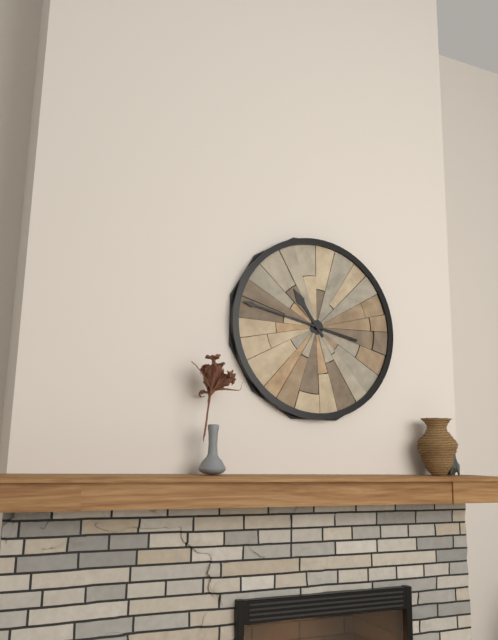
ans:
**10:47**
